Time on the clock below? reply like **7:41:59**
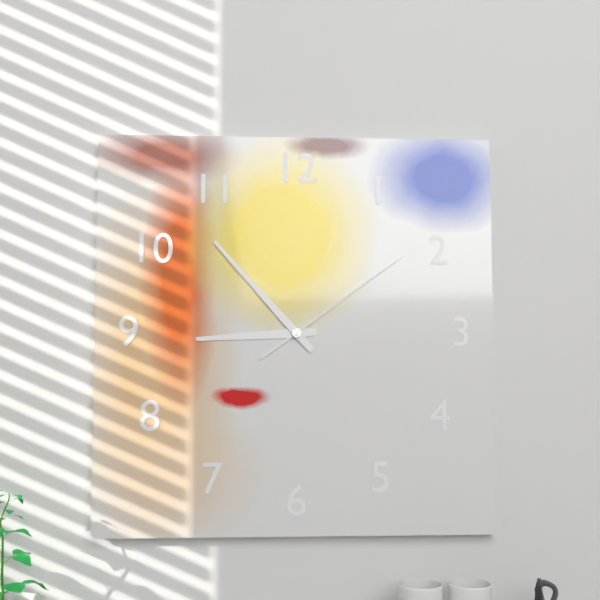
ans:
**8:53:09**
